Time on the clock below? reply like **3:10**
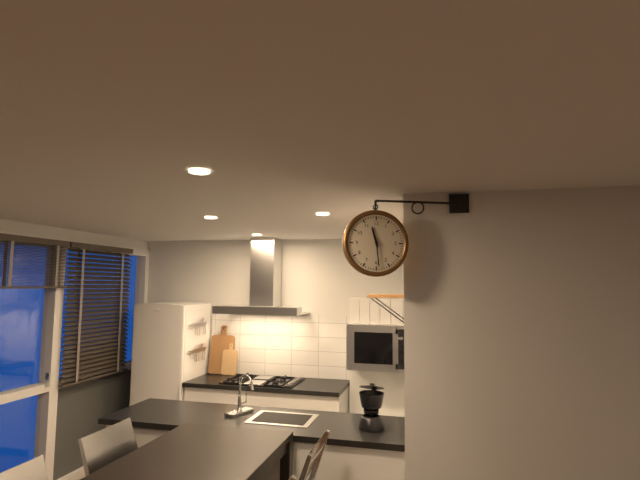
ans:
**11:29**
